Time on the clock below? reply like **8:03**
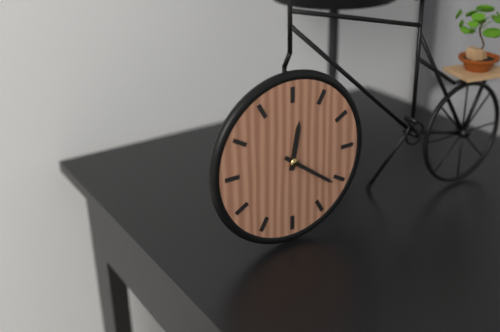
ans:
**12:21**
